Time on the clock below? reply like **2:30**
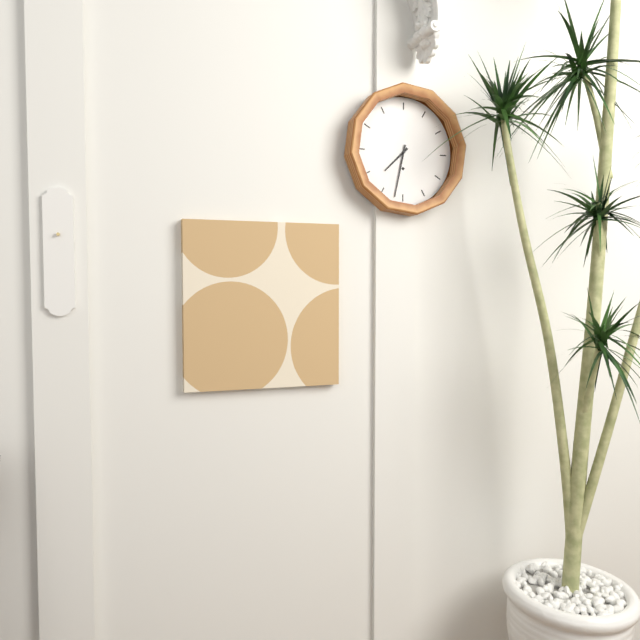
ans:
**7:32**
